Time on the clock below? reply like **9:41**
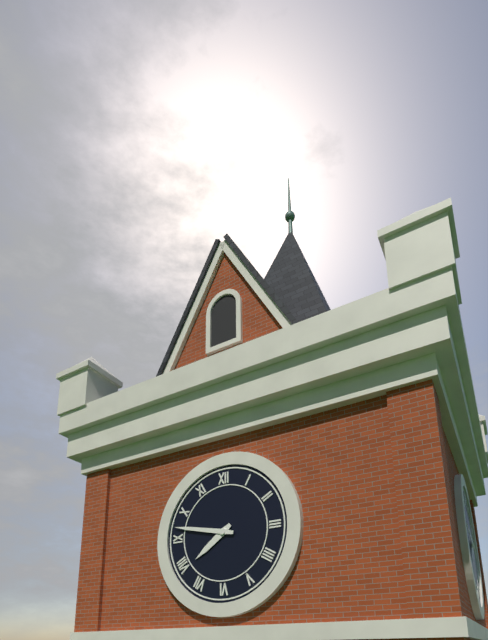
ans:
**7:47**
